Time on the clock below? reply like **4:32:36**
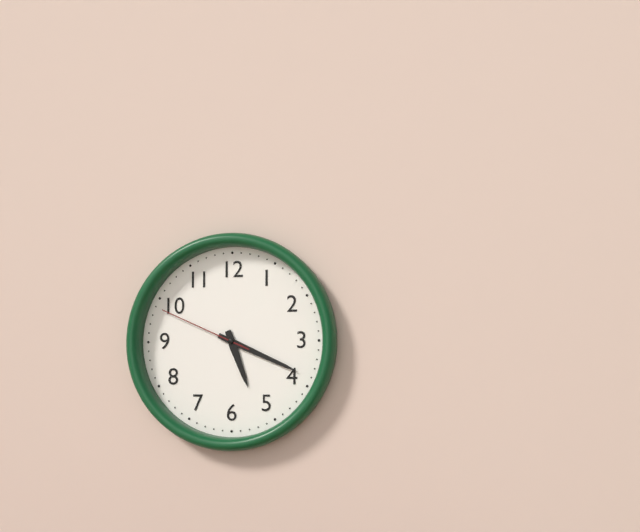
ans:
**5:19:49**
